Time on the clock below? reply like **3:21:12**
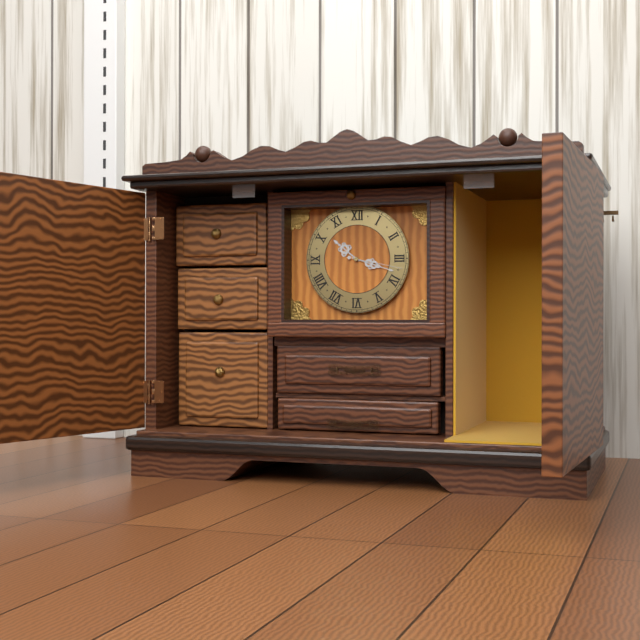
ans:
**10:18:17**
